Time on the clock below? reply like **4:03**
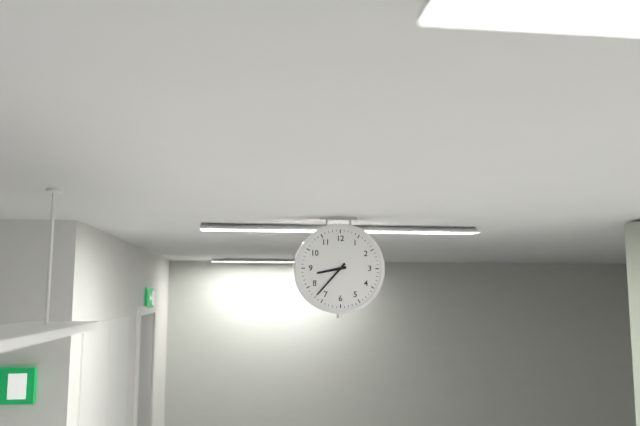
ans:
**8:37**
